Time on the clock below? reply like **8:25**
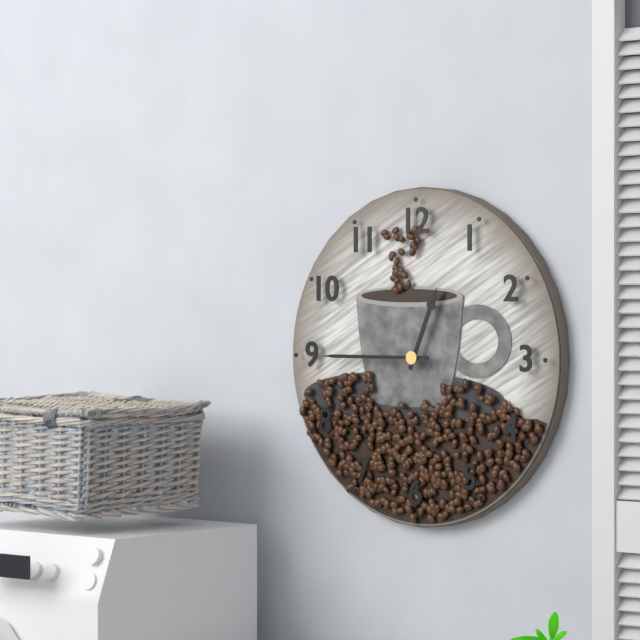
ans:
**12:45**
